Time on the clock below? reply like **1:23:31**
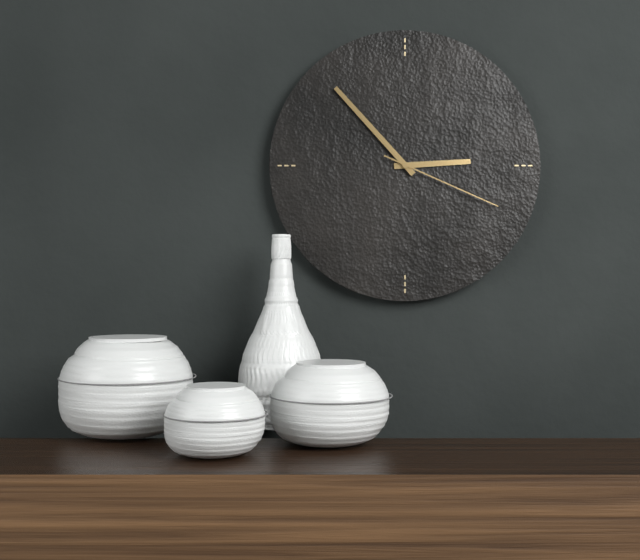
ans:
**2:53:19**
